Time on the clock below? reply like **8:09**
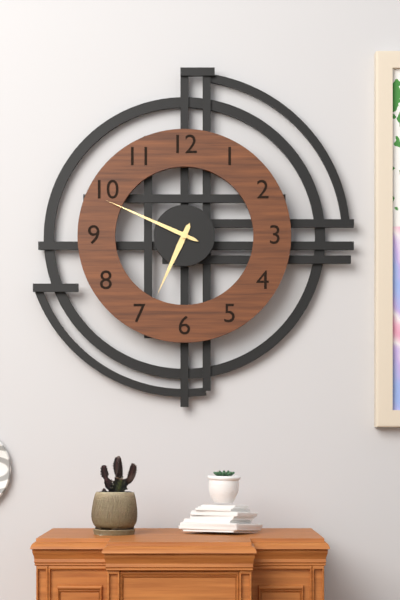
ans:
**6:49**
